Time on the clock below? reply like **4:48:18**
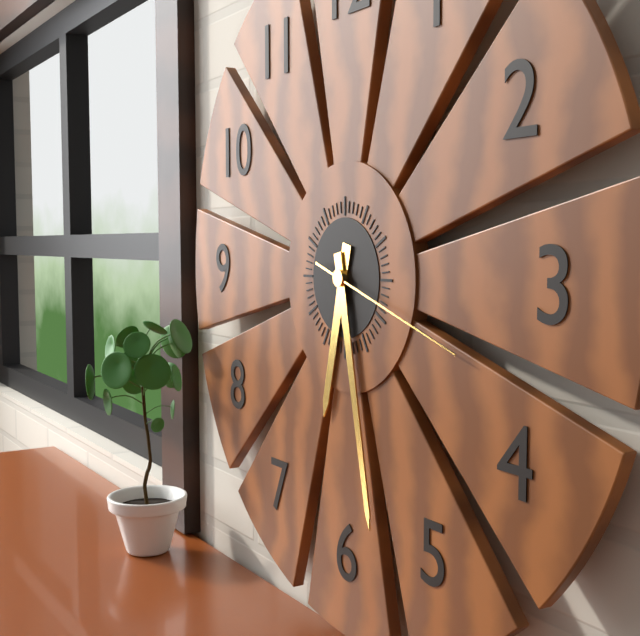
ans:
**6:28:18**
